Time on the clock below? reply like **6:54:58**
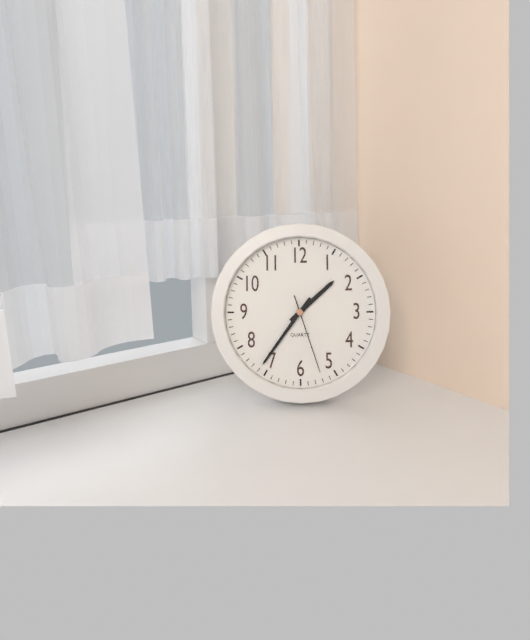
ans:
**1:36:27**
